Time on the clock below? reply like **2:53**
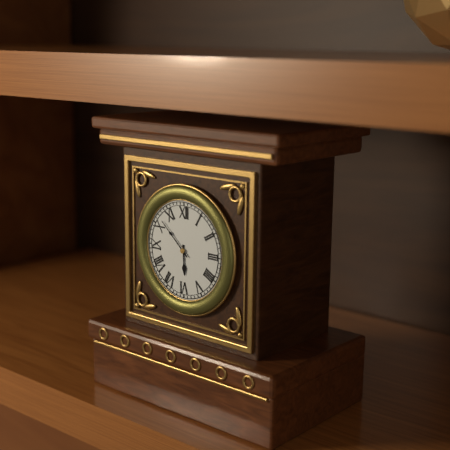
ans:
**5:52**
